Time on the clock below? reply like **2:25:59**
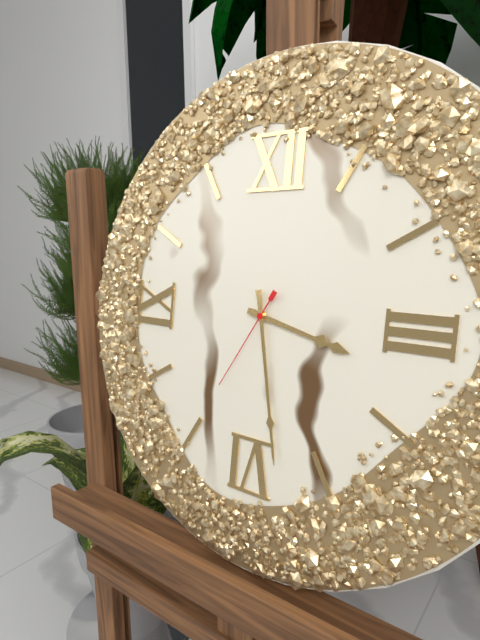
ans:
**3:28:35**
